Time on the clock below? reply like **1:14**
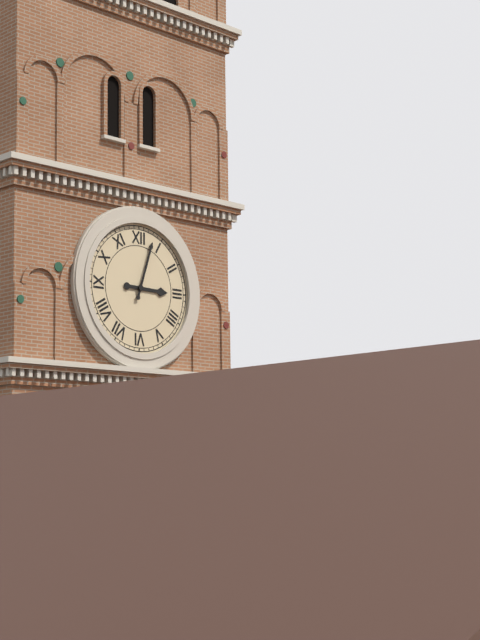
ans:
**3:03**
